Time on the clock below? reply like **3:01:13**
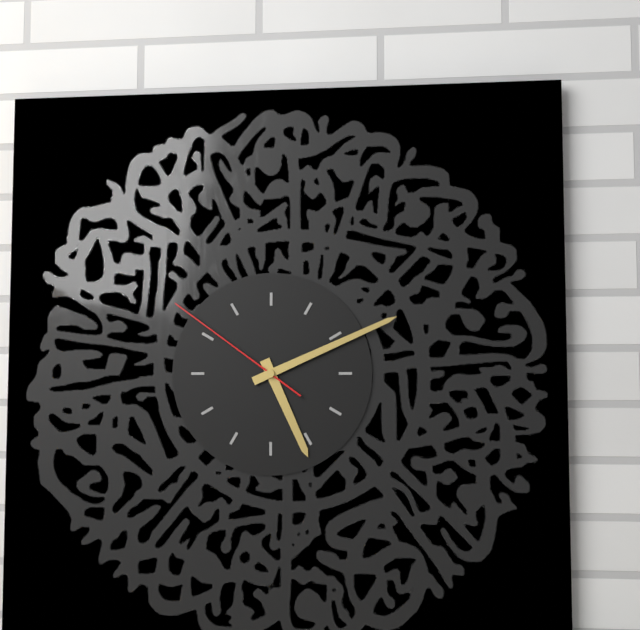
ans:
**5:11:51**
